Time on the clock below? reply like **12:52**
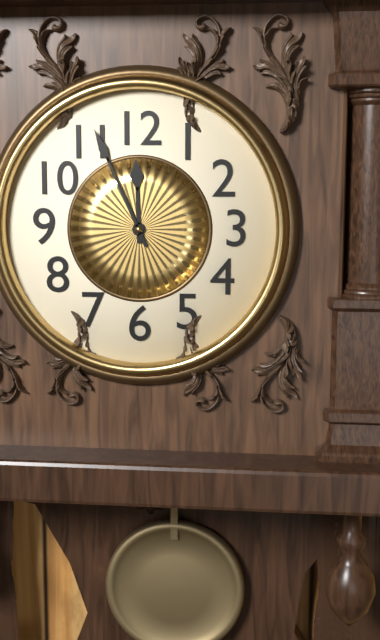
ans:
**11:56**
